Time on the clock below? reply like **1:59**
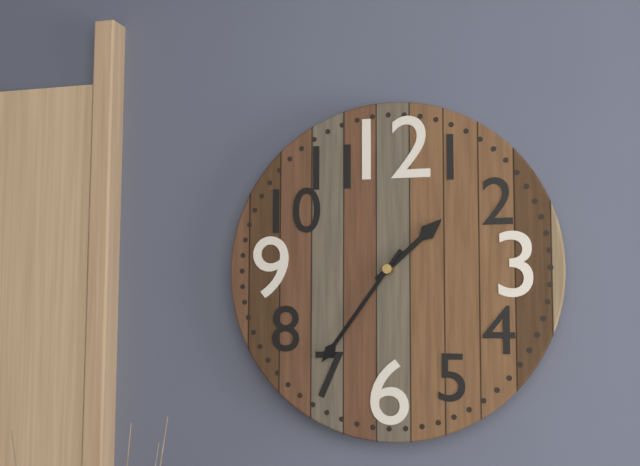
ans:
**1:36**
